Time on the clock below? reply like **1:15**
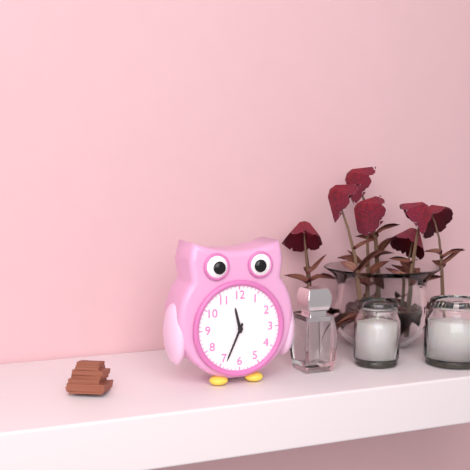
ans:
**11:34**
